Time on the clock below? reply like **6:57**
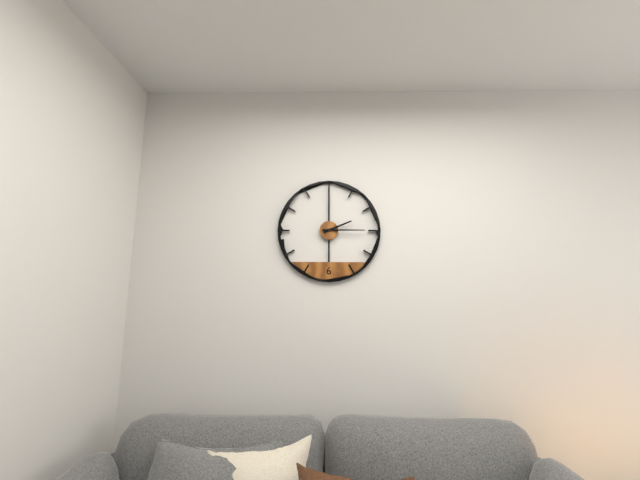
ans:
**2:15**
